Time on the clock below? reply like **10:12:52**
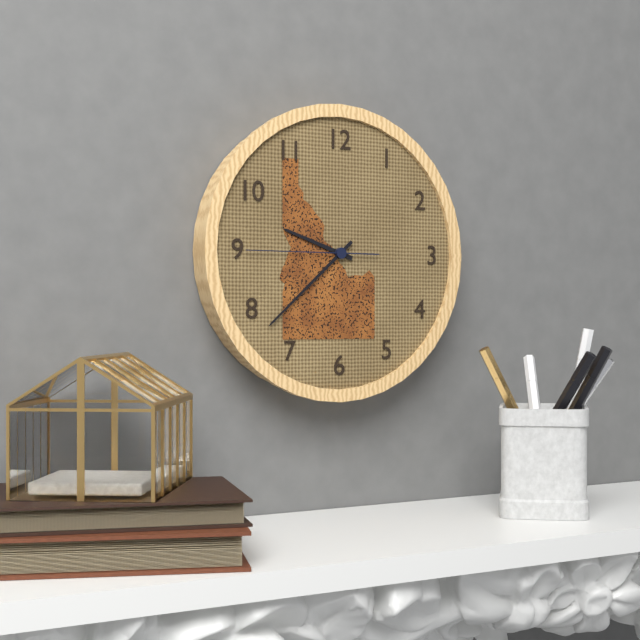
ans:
**9:38:45**
